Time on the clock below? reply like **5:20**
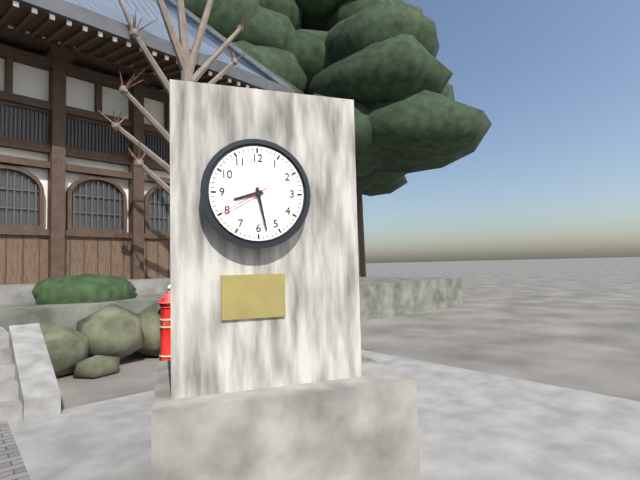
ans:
**8:28**
